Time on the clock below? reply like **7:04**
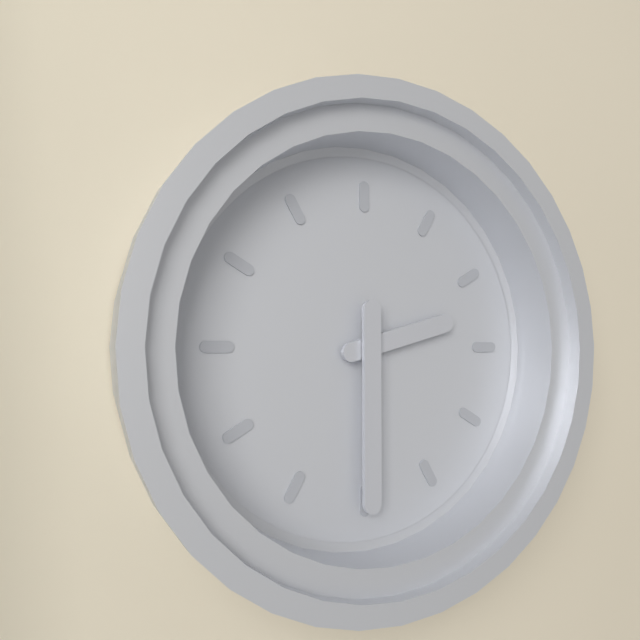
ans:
**2:30**
